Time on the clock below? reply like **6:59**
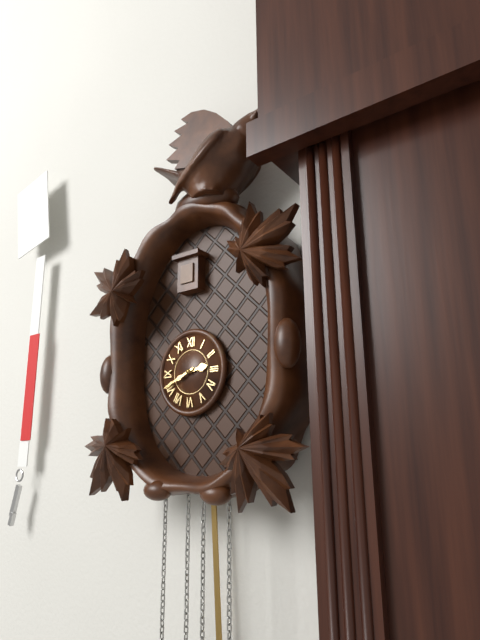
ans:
**2:41**
